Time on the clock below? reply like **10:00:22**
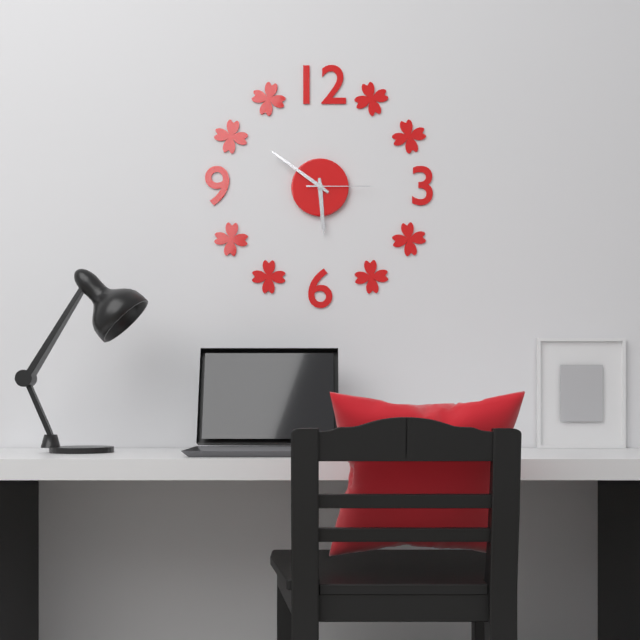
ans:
**5:51:15**
